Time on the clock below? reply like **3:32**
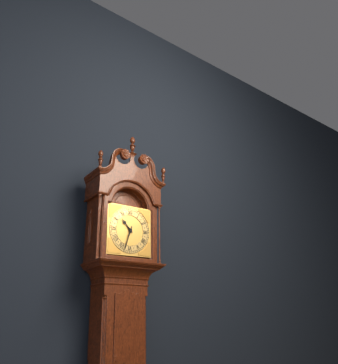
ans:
**10:33**
